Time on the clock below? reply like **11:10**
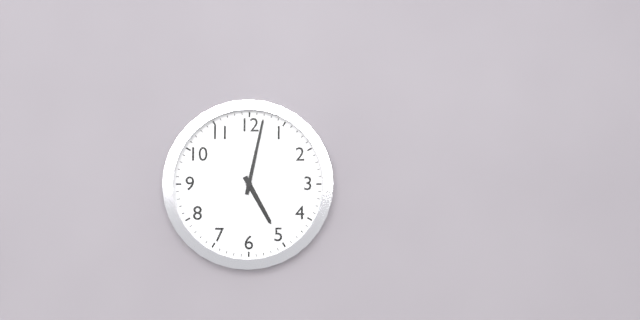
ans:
**5:02**
